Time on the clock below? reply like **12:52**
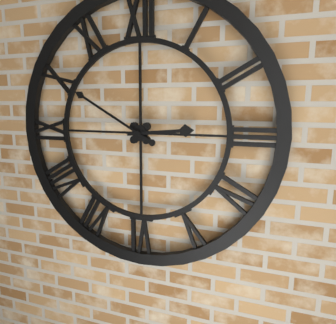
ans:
**2:50**
